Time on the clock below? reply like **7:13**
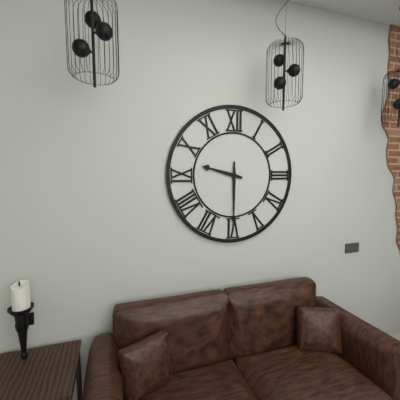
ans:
**9:30**
